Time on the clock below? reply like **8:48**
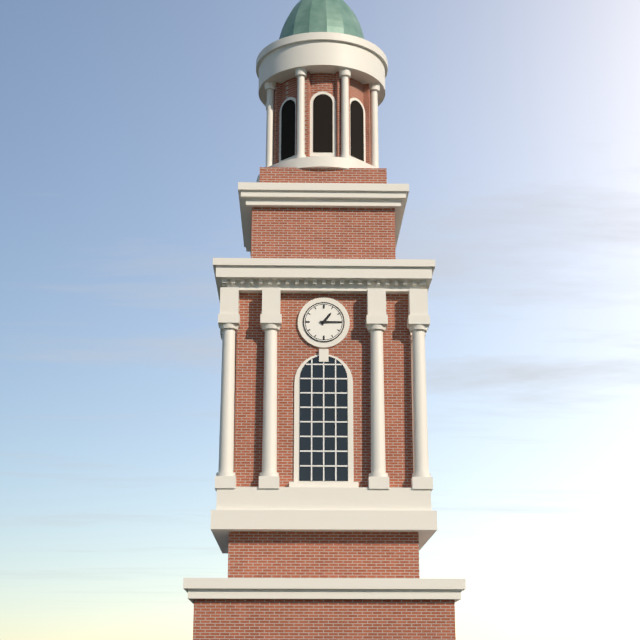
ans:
**1:15**
